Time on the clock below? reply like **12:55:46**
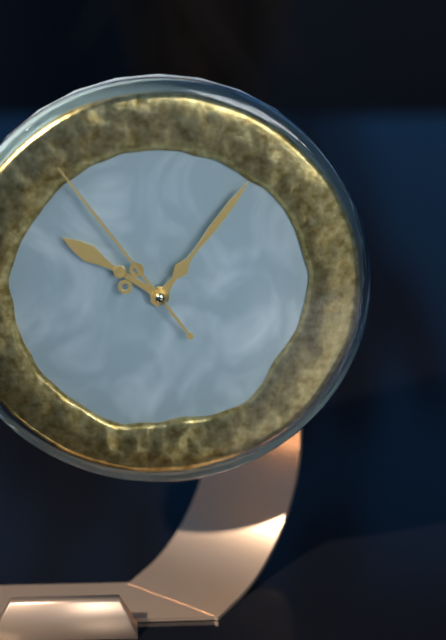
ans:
**10:06:54**
